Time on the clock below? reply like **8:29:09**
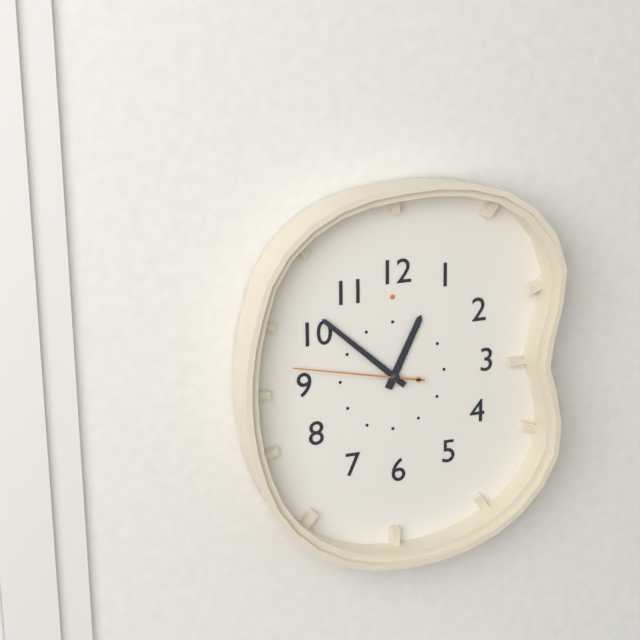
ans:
**12:52:47**
